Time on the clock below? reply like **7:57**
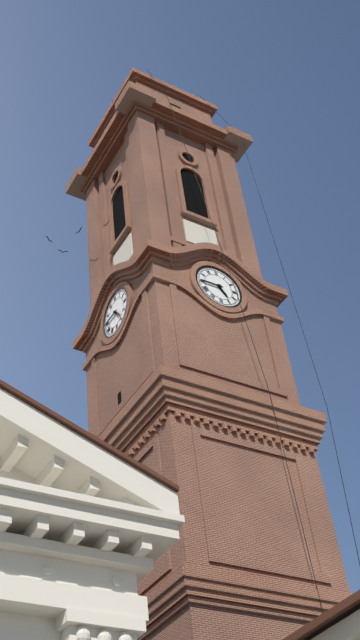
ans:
**4:45**
